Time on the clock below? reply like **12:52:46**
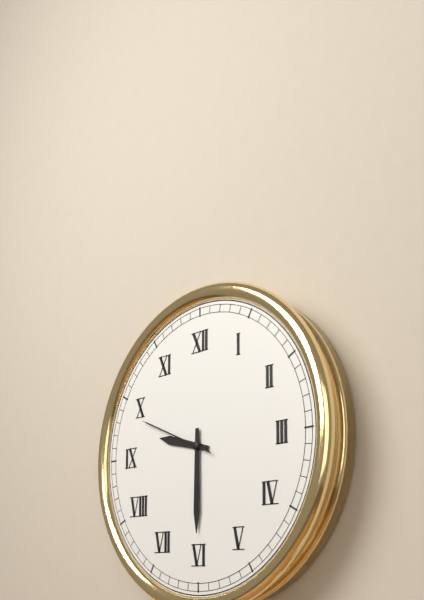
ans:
**9:30:49**
